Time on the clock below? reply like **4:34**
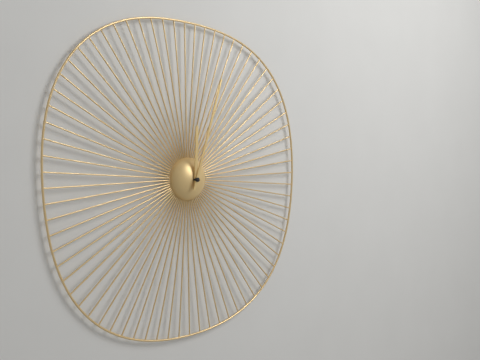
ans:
**12:03**
